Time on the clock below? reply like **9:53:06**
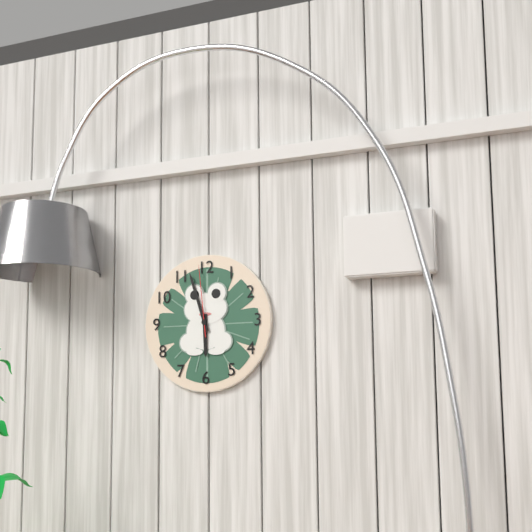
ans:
**5:57:59**
